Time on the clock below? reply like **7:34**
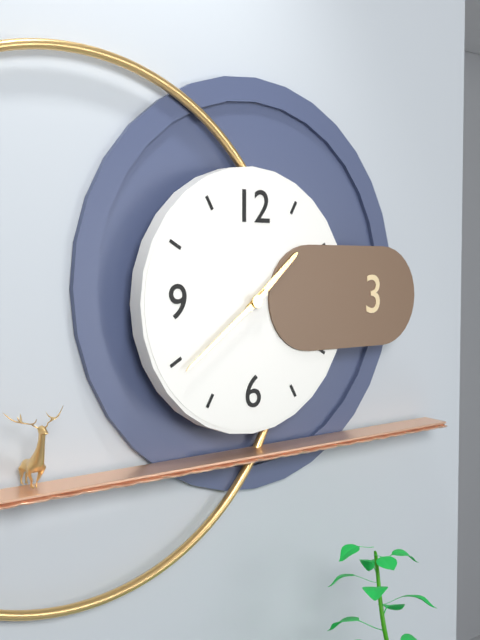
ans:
**1:39**
